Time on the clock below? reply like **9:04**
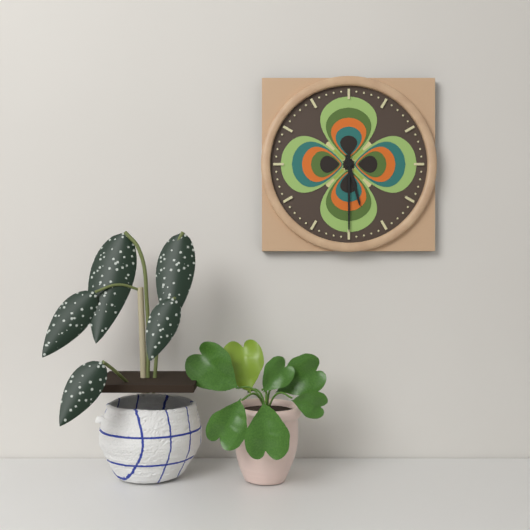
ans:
**5:30**
